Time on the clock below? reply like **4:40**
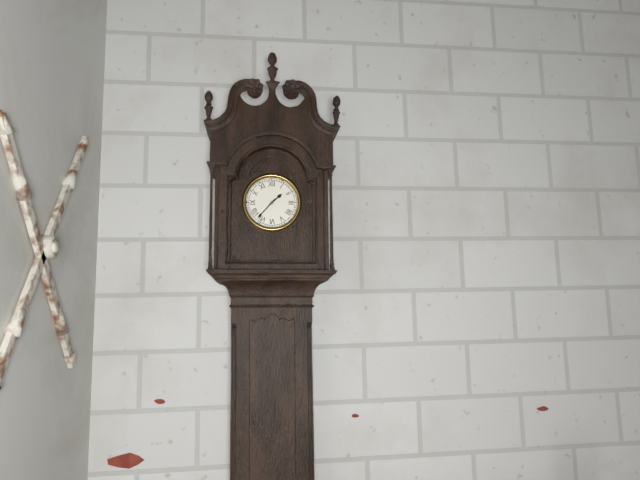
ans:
**1:37**
